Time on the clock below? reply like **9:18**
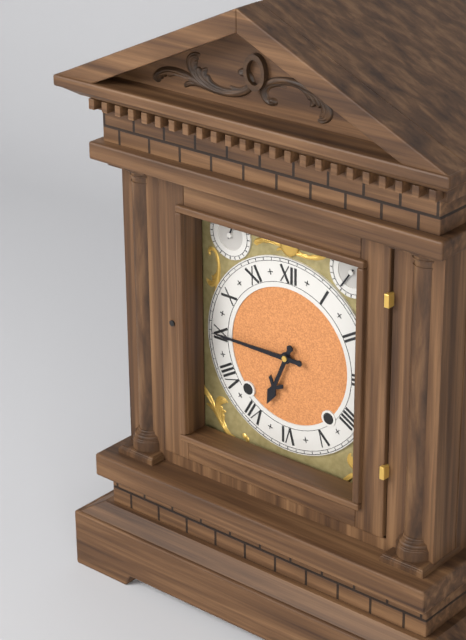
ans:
**6:45**
